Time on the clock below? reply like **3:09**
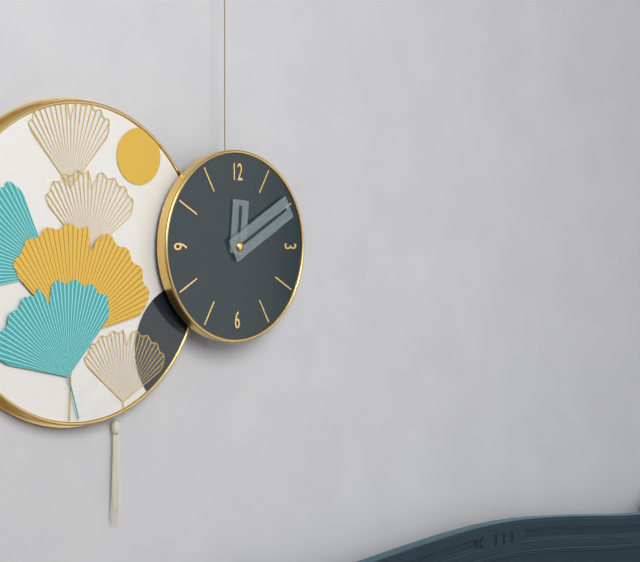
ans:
**12:10**
